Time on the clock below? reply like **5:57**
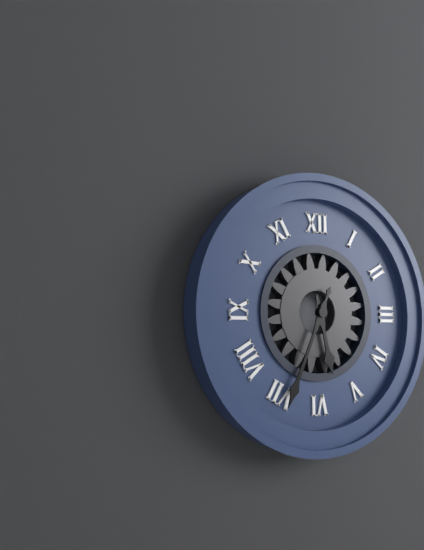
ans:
**5:34**
